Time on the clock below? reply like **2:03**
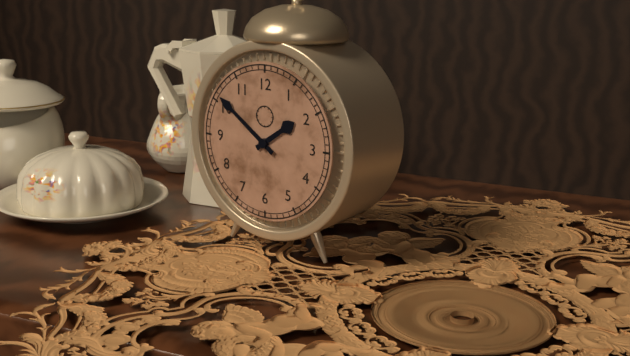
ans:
**1:51**
